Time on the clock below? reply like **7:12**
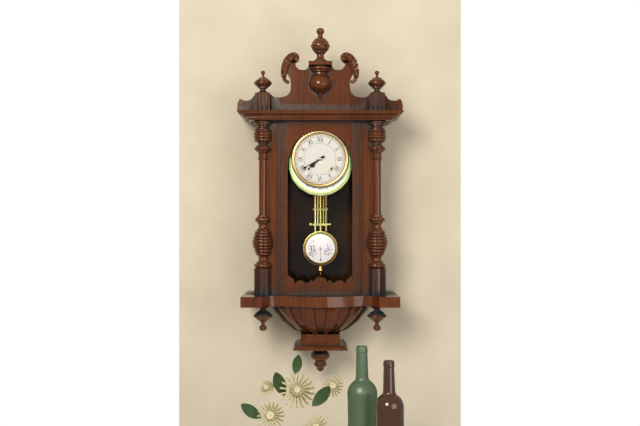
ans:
**7:40**
